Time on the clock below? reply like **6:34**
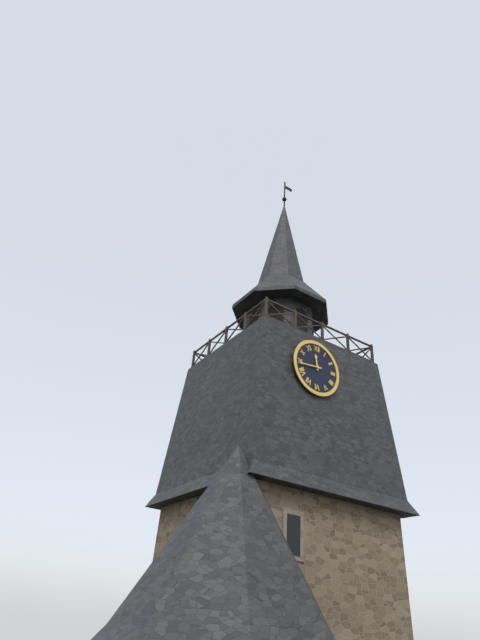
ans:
**11:44**
